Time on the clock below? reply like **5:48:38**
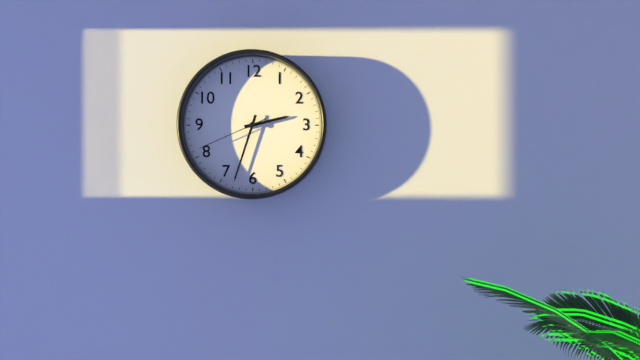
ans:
**2:33:41**
